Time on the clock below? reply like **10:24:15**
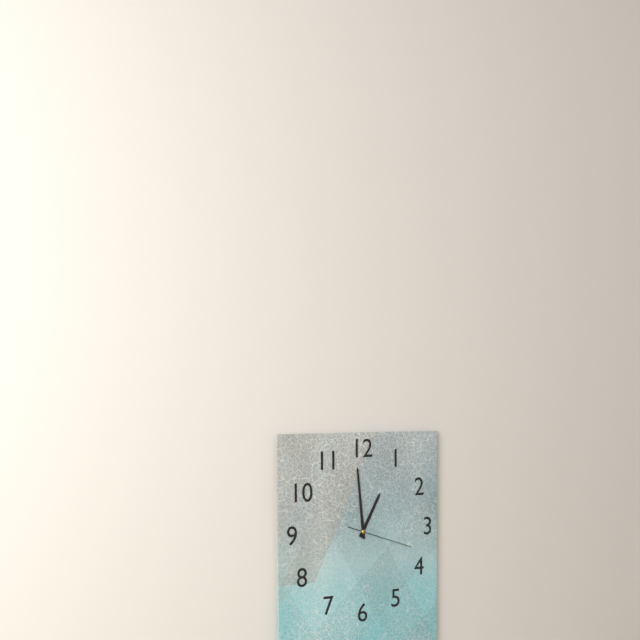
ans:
**12:59:18**
